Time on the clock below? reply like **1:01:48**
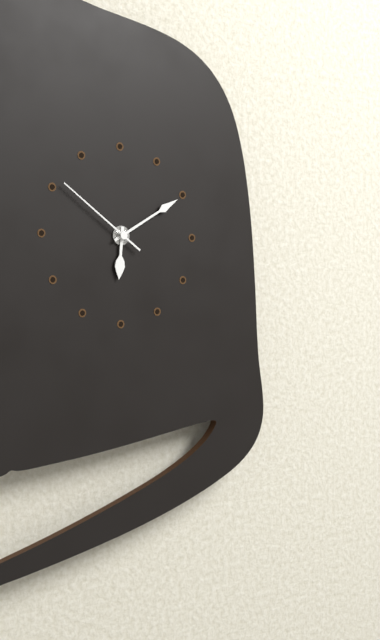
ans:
**6:10:51**
